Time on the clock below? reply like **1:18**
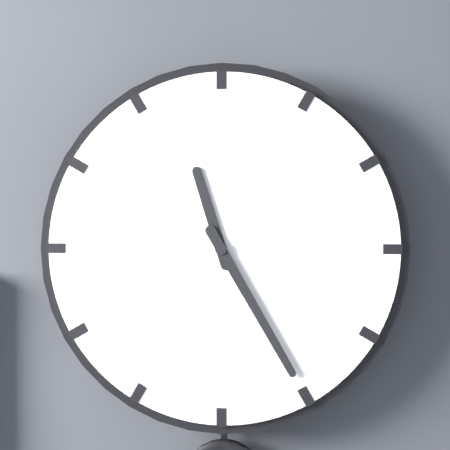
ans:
**11:25**
